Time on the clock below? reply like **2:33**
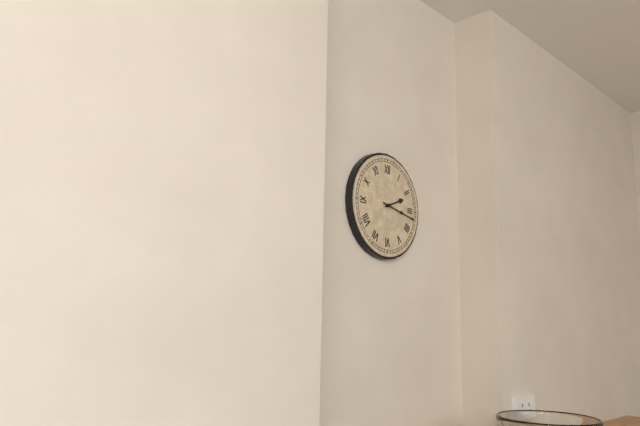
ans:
**2:17**
